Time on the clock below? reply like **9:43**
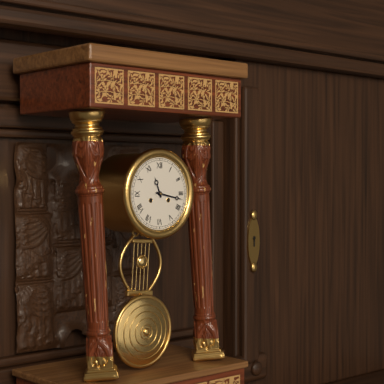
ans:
**11:17**
